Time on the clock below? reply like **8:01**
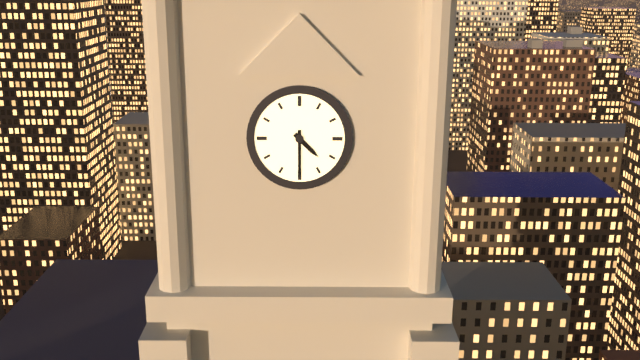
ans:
**4:30**
